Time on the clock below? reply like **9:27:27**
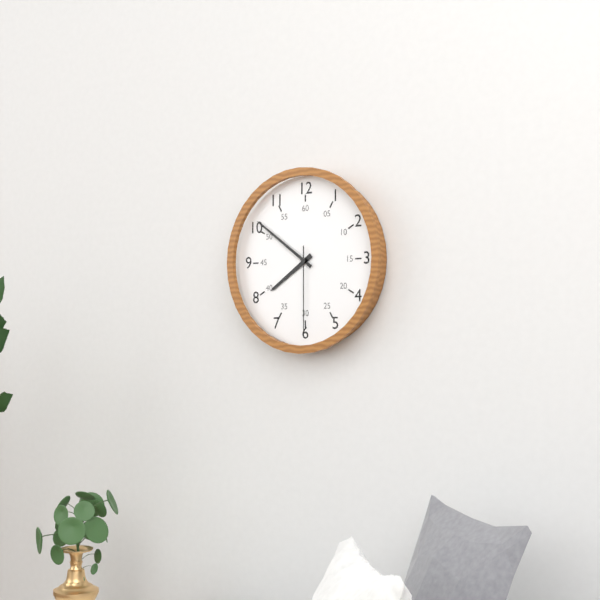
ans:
**7:51:30**
